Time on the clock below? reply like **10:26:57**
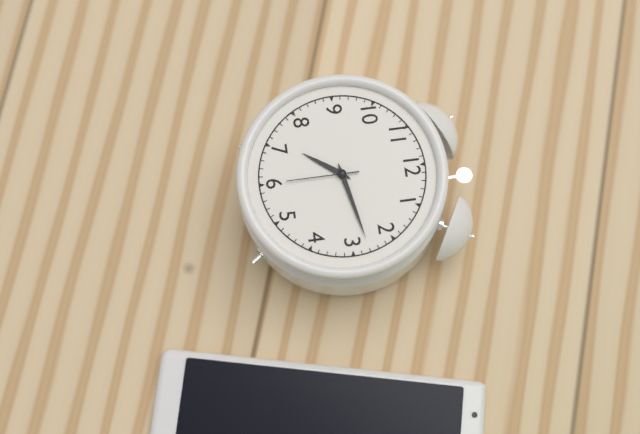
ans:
**7:13:30**
